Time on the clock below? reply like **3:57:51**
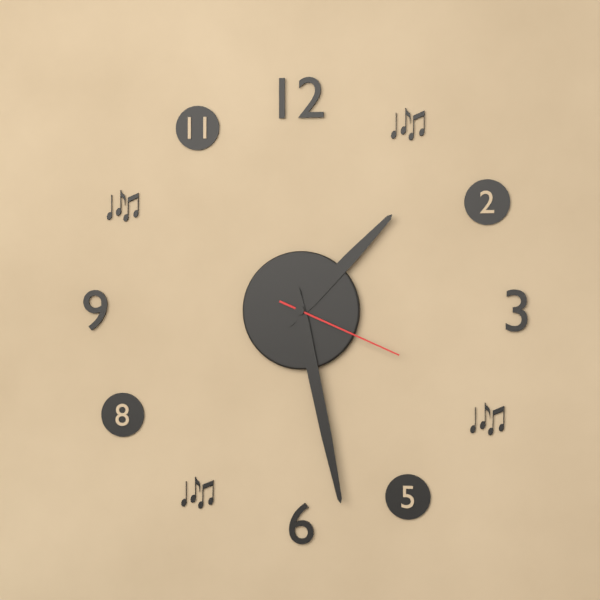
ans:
**1:28:19**
